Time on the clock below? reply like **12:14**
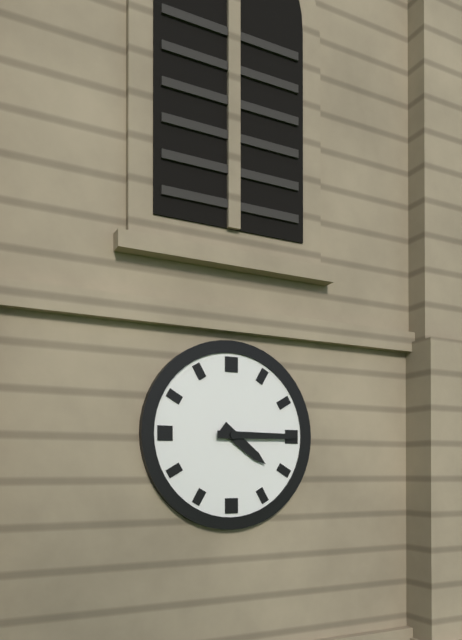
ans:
**4:15**
